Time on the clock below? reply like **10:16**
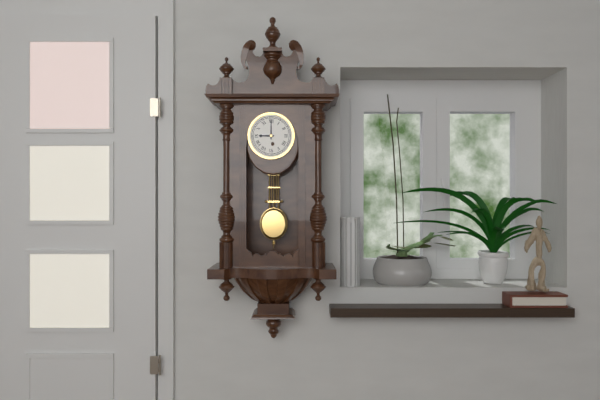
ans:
**9:00**
